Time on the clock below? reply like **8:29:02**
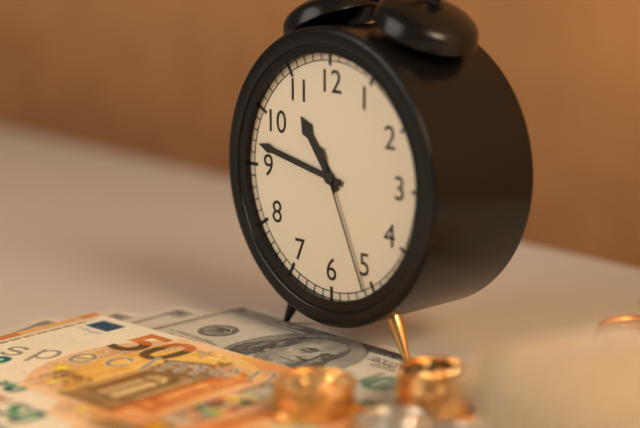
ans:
**10:47:26**
